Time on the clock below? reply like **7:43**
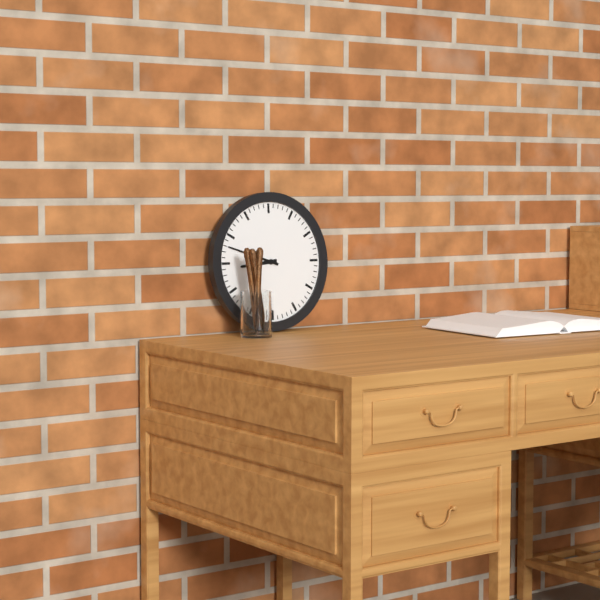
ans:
**8:48**
